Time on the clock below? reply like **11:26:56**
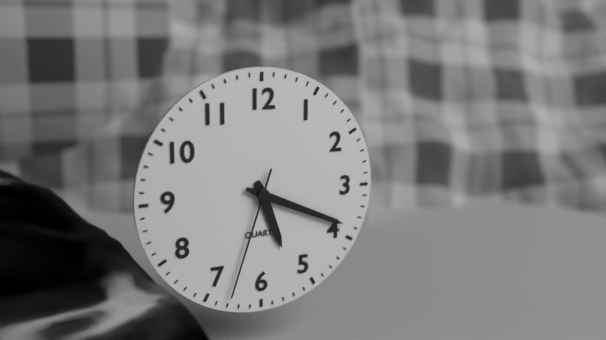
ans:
**5:19:33**
